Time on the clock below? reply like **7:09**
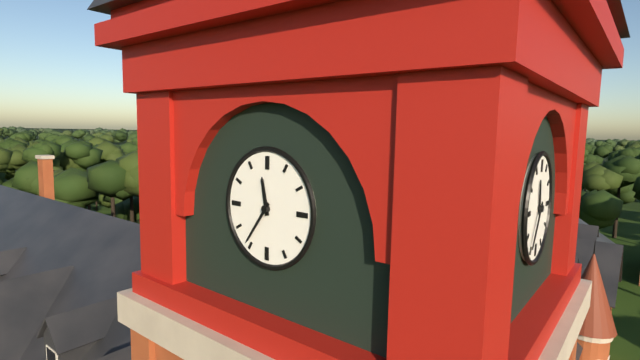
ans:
**11:36**
